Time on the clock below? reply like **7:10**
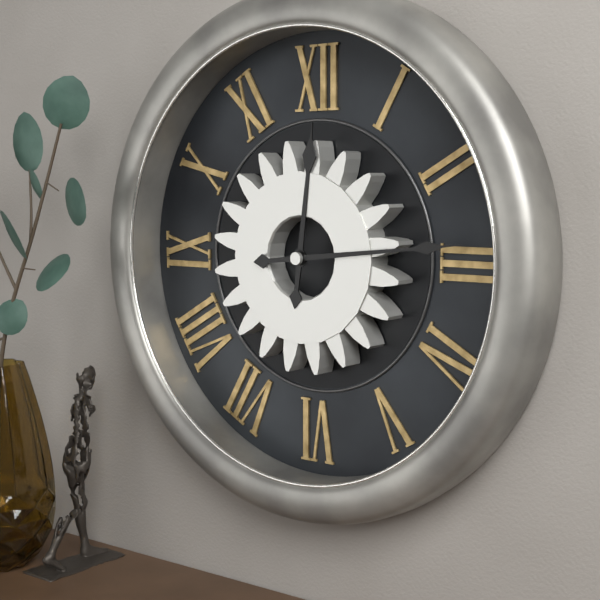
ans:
**12:14**
